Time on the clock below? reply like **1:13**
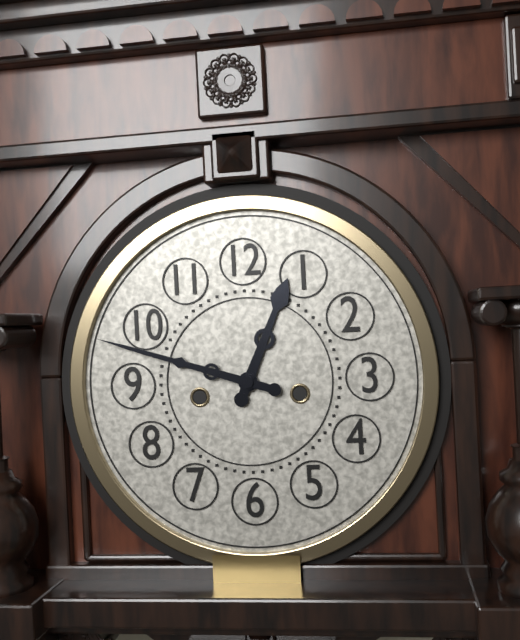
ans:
**12:48**
